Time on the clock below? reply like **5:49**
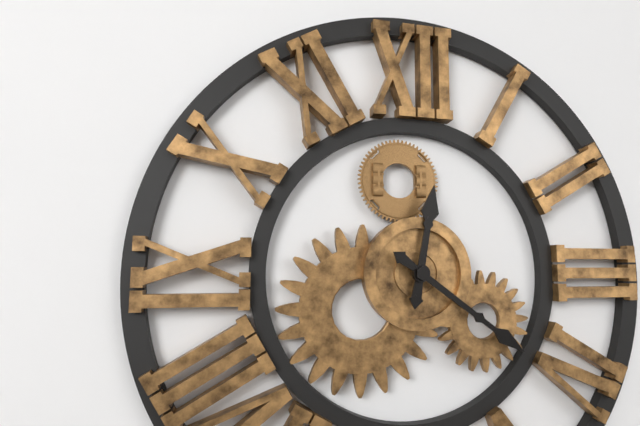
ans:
**12:21**
